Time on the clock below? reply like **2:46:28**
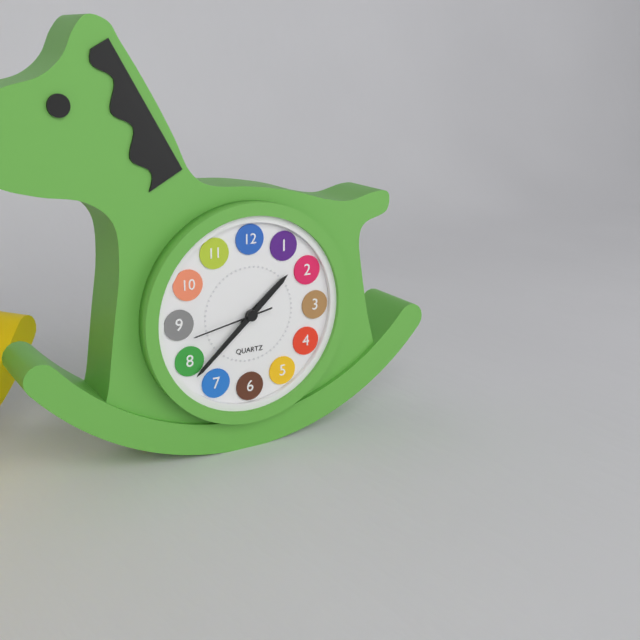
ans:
**1:38:43**
